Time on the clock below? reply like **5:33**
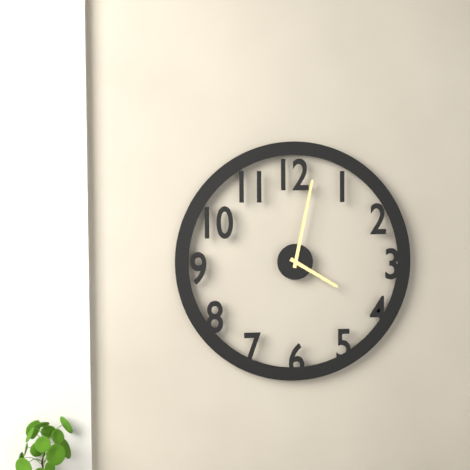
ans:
**4:02**
